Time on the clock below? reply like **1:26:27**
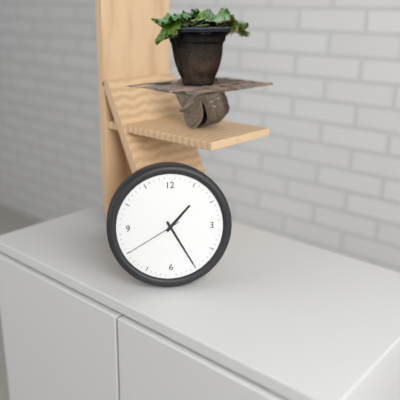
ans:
**1:25:40**
